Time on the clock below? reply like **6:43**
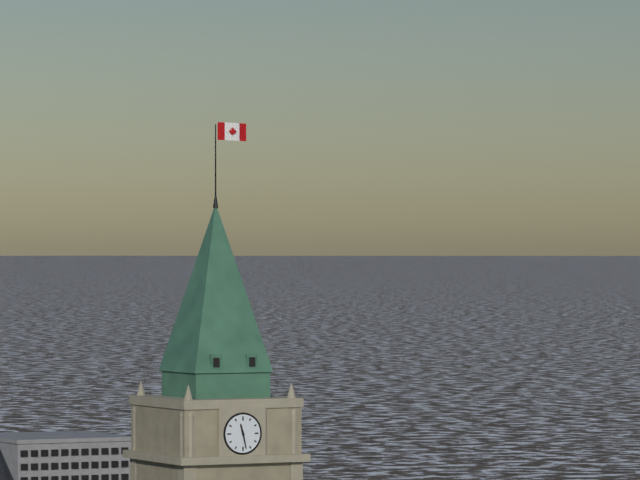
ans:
**11:28**
